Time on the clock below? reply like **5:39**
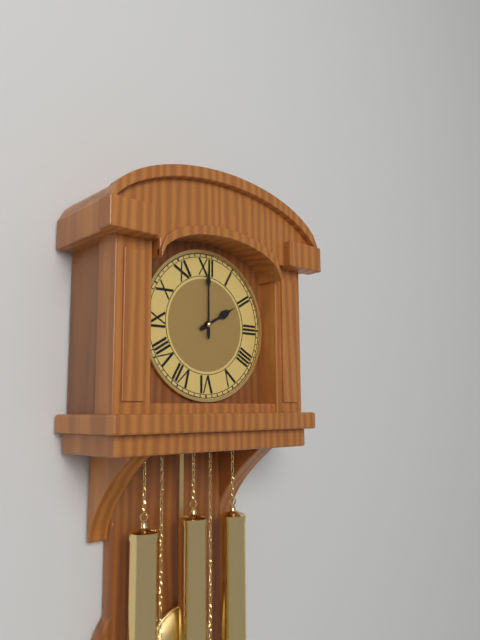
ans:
**2:00**
